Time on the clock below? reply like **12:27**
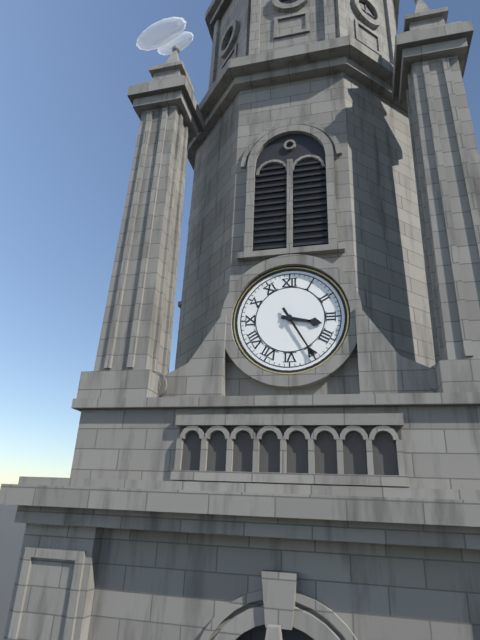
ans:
**3:25**
